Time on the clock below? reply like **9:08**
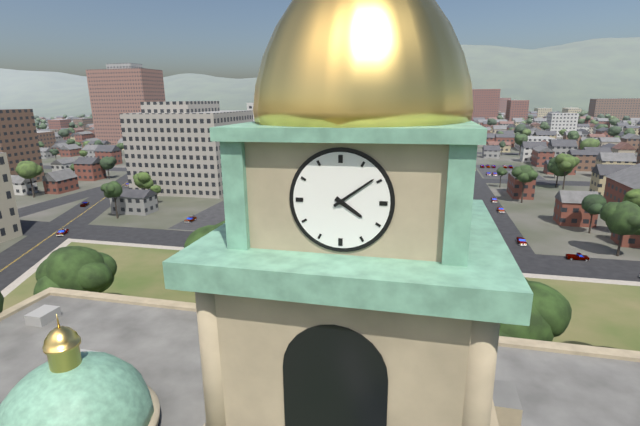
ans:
**4:09**
